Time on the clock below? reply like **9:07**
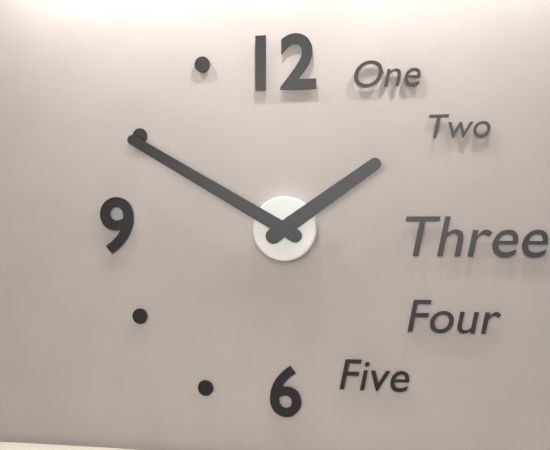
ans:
**1:50**
